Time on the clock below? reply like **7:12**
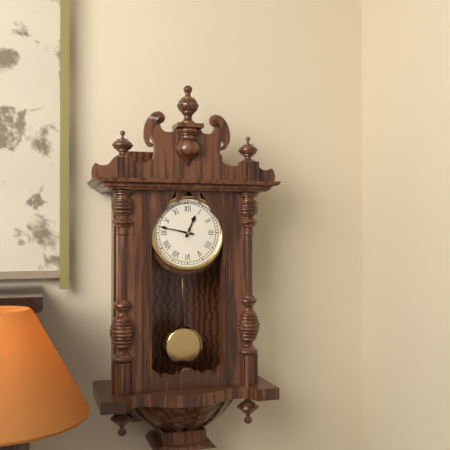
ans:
**12:47**
